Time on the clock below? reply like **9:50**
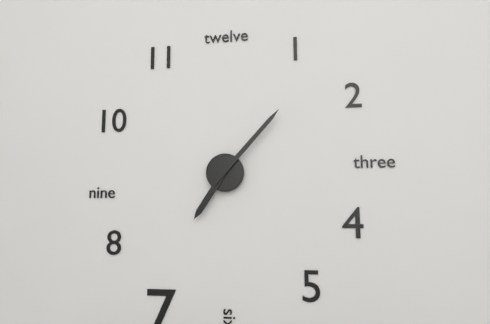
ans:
**7:07**
